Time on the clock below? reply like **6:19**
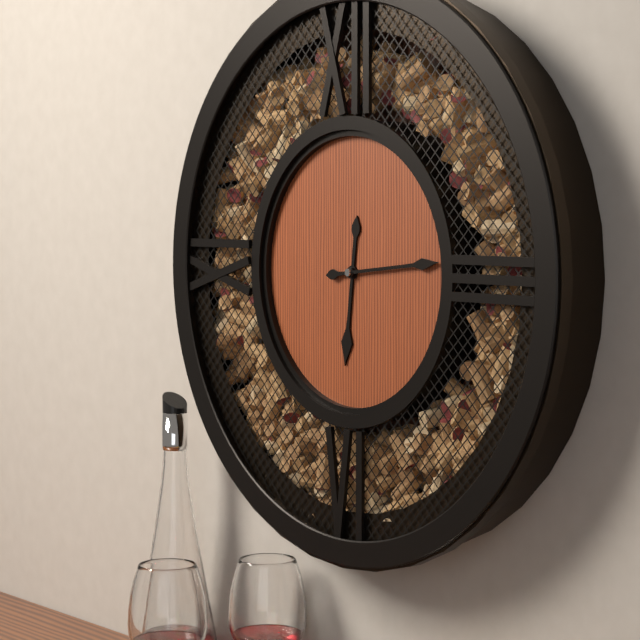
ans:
**6:14**
